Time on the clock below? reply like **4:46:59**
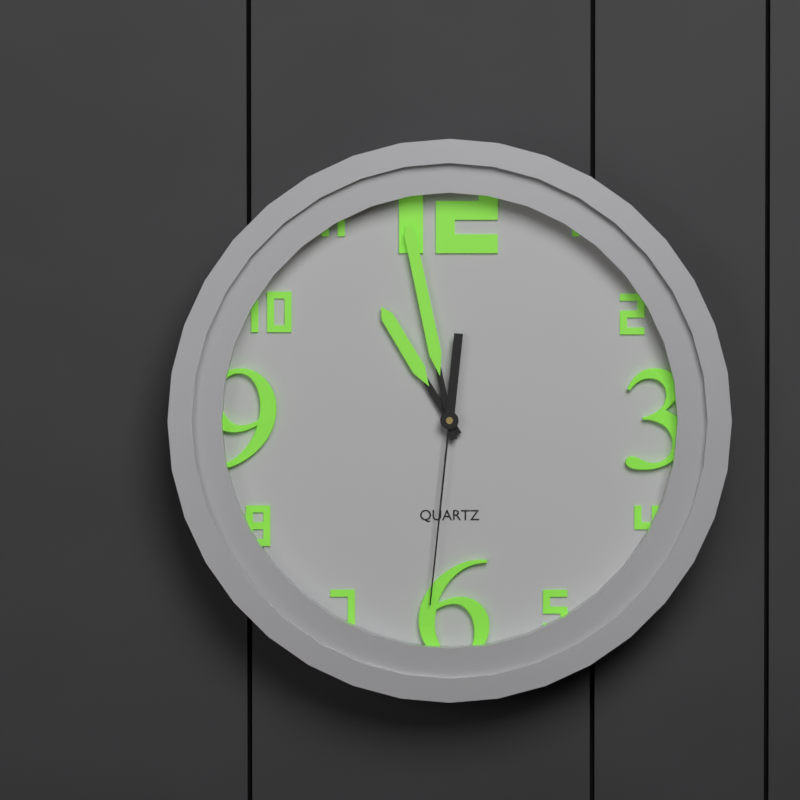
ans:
**10:58:31**
